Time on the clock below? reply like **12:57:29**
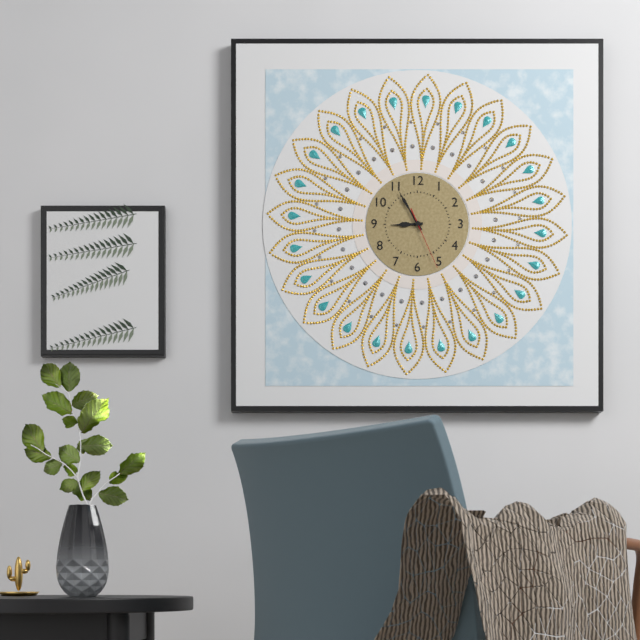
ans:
**8:55:26**
